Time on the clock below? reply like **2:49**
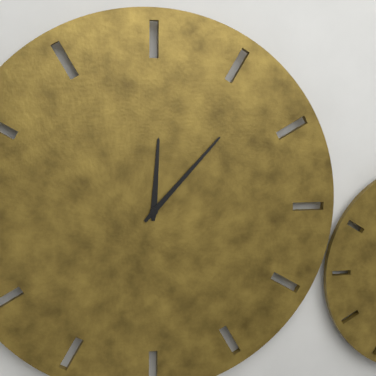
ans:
**12:07**
